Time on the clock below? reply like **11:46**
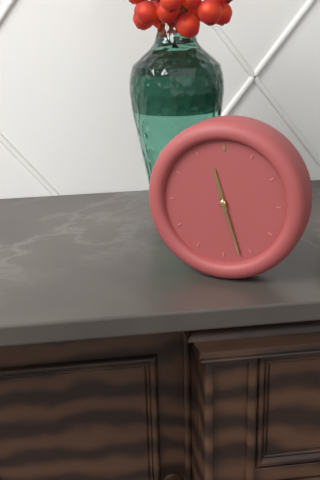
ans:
**11:27**
